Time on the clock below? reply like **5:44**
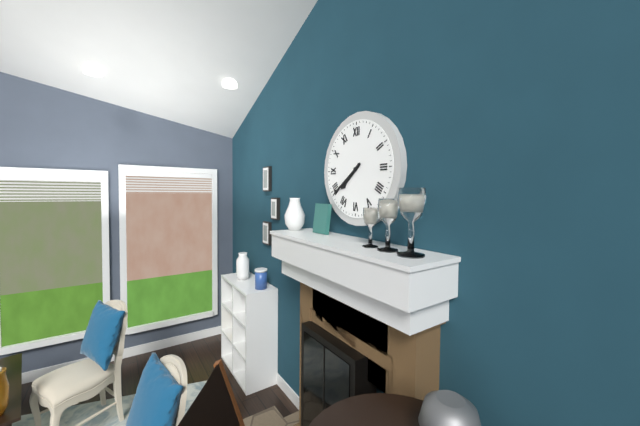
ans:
**7:39**
